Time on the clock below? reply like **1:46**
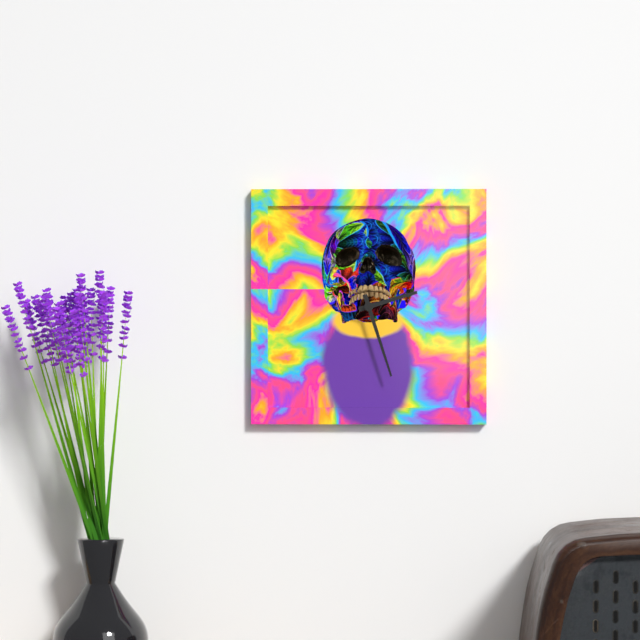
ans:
**2:27**
